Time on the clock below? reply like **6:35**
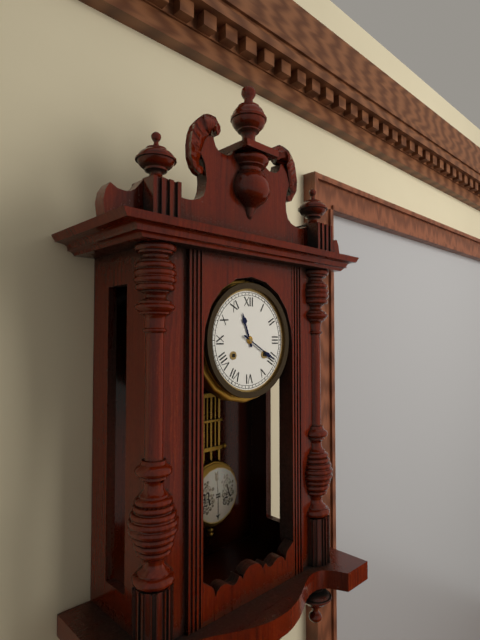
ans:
**11:20**
